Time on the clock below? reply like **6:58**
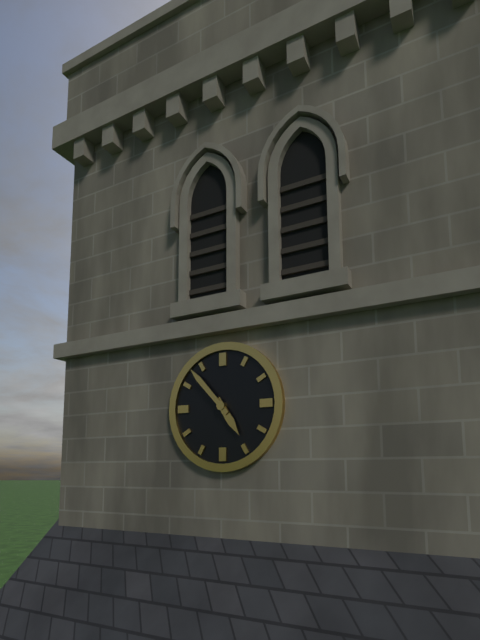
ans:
**4:53**
